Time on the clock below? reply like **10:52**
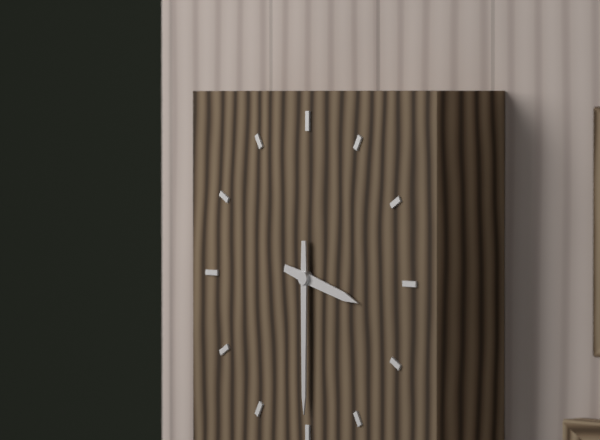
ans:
**3:30**
